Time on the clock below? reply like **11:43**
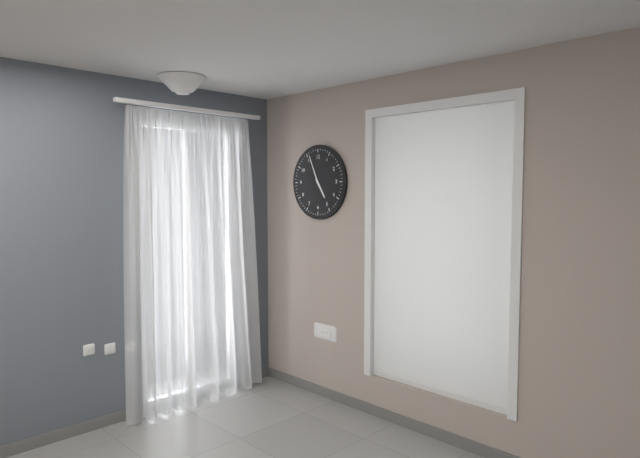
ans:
**4:56**
